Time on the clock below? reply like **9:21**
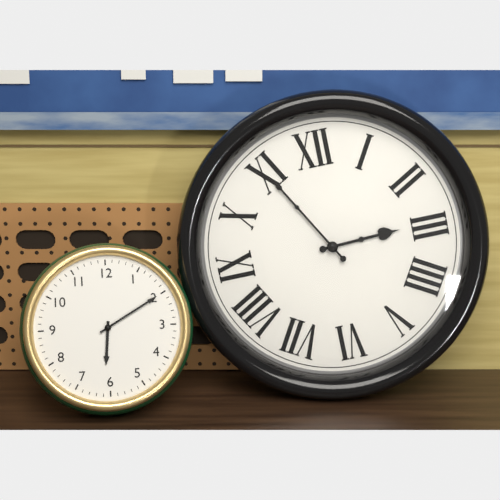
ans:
**2:55**
